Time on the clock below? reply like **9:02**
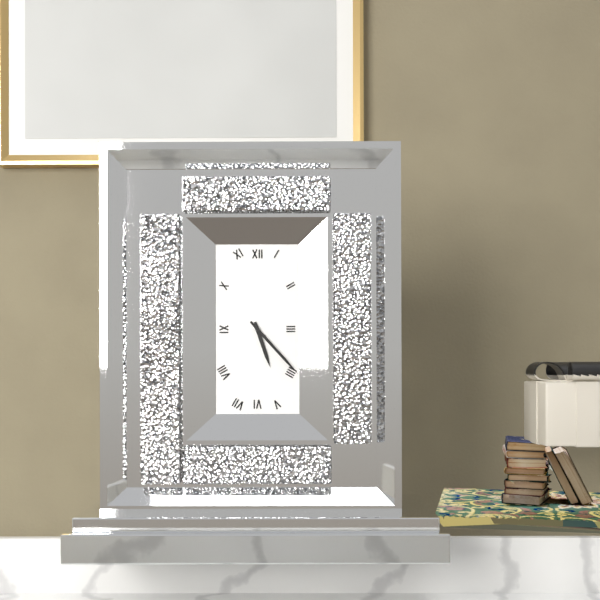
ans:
**5:23**
